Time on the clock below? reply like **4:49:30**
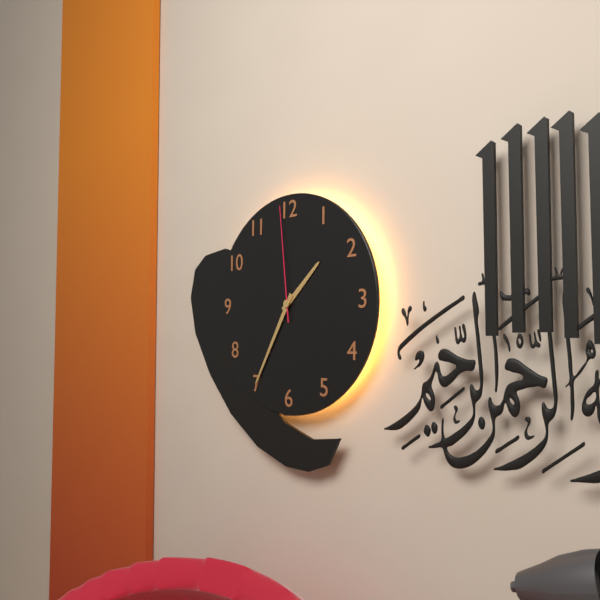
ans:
**1:35:59**
